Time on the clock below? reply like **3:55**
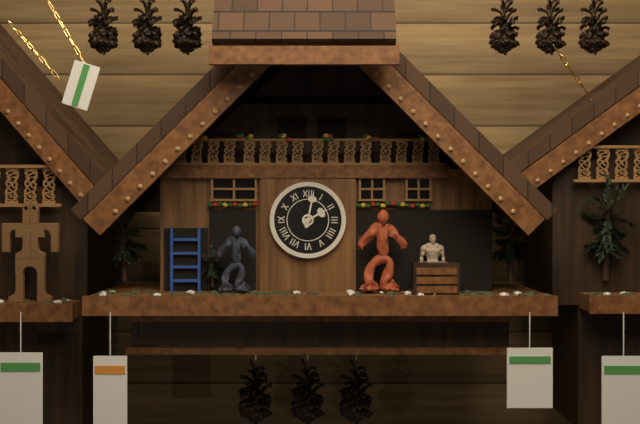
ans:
**2:02**
